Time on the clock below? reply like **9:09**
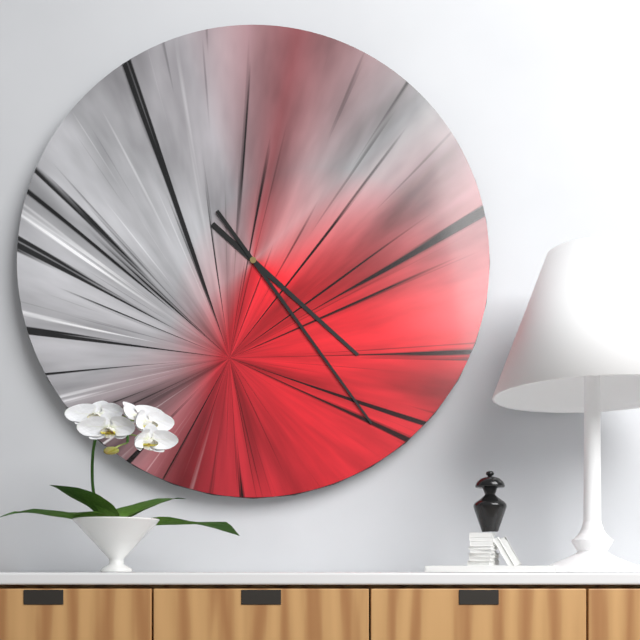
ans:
**4:24**
